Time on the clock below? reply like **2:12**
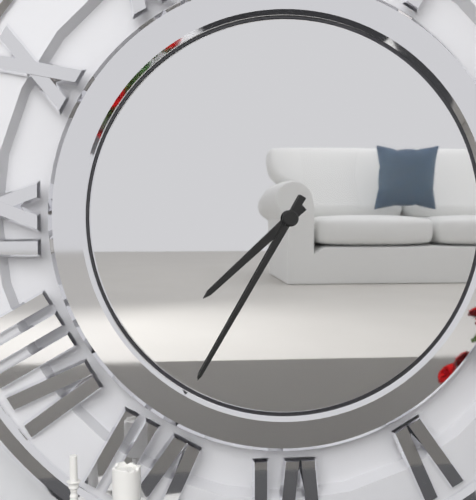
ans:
**7:35**
